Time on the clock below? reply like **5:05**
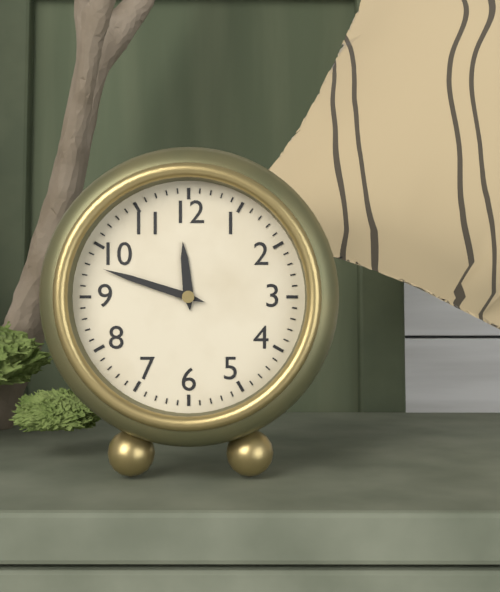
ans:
**11:48**
